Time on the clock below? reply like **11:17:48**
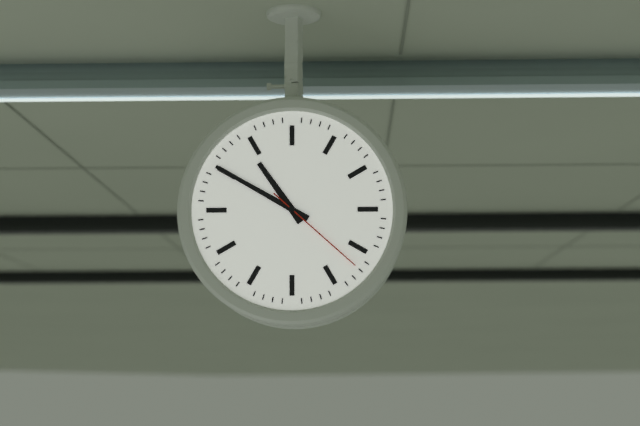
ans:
**10:50:22**
